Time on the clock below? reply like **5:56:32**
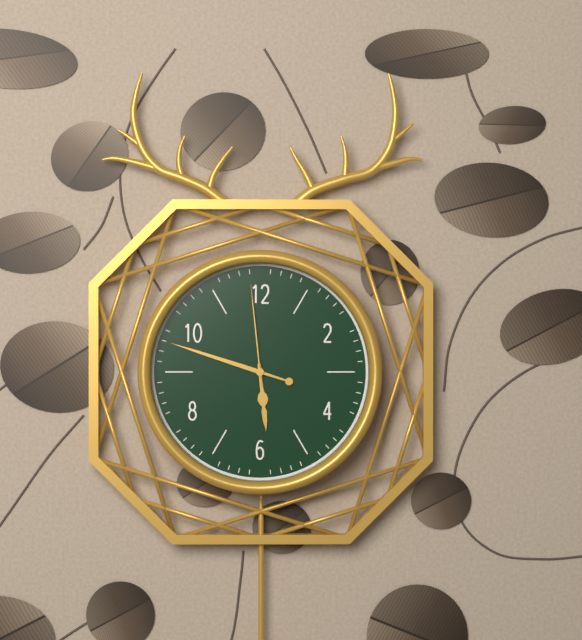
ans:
**5:48:59**
